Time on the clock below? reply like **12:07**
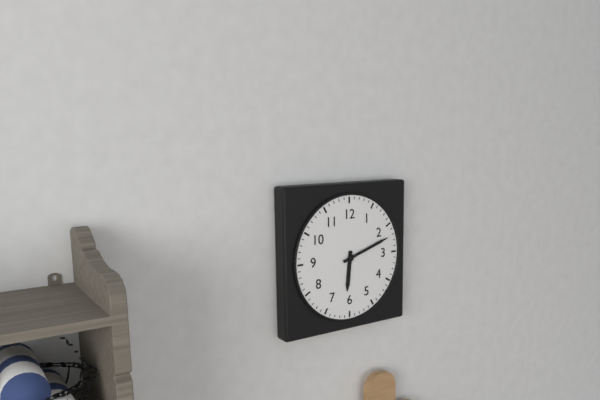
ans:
**6:12**
